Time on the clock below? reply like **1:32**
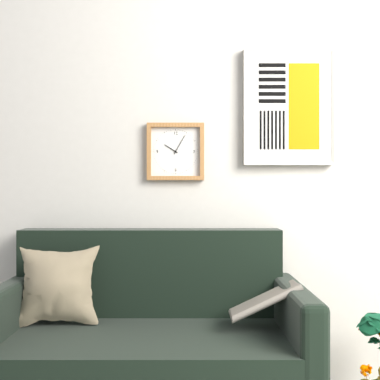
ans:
**10:05**
